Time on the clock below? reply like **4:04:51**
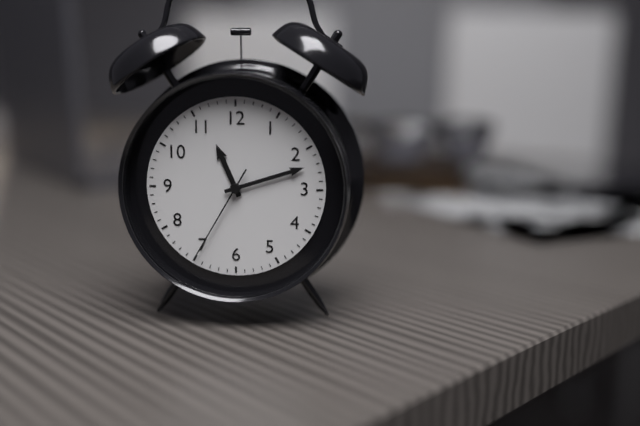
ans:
**11:12:35**
